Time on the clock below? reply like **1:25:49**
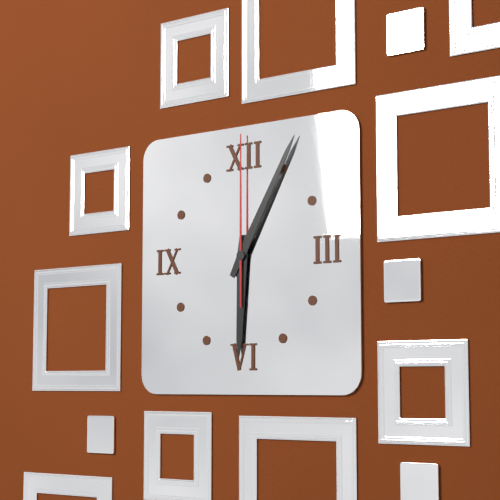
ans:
**6:05:00**
